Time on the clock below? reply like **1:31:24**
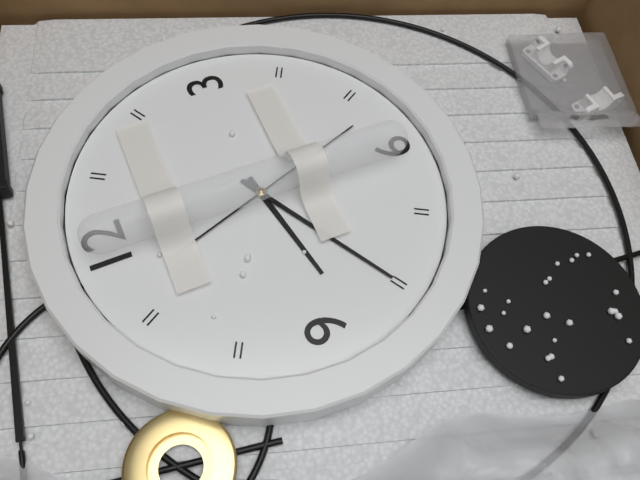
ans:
**8:40:27**
